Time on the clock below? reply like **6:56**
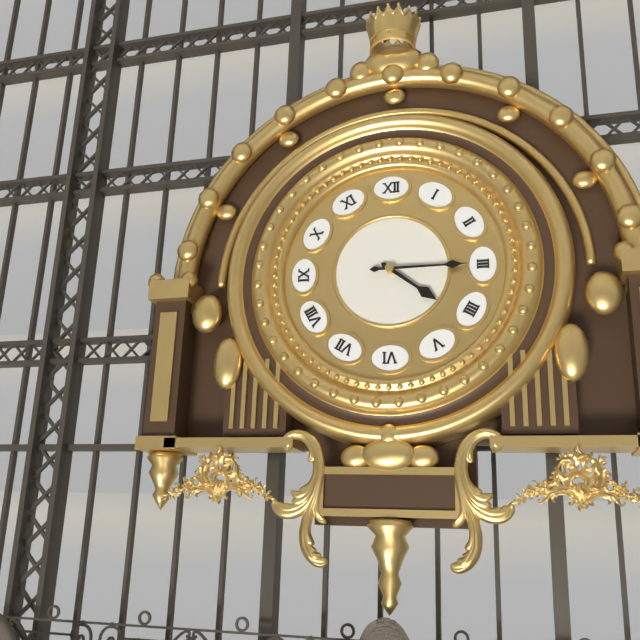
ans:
**4:15**
